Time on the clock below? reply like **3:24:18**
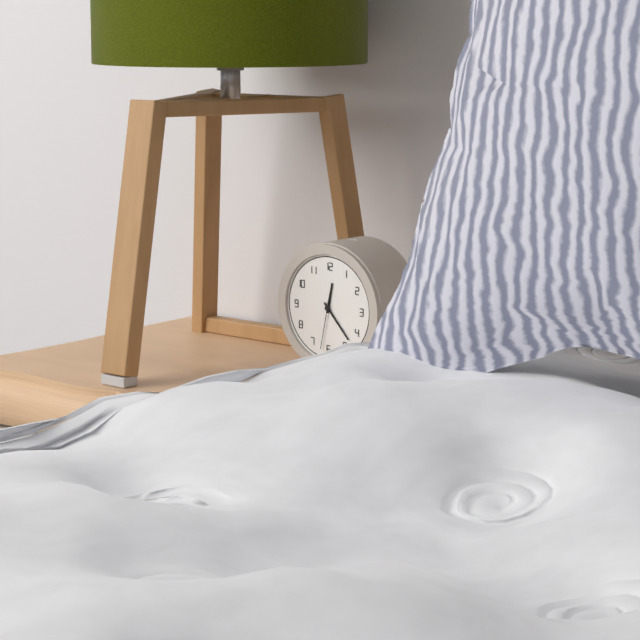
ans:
**12:23:32**
